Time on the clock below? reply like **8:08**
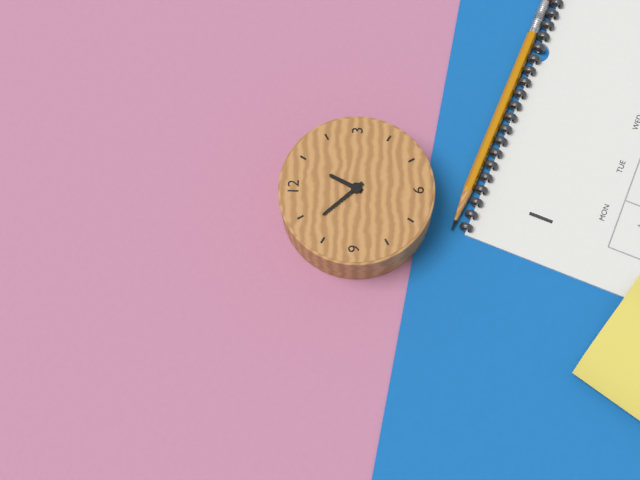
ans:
**12:53**
